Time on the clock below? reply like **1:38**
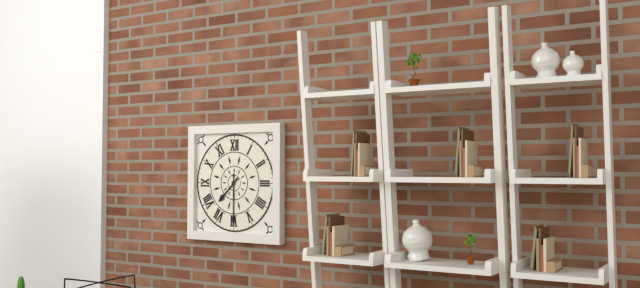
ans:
**7:30**
